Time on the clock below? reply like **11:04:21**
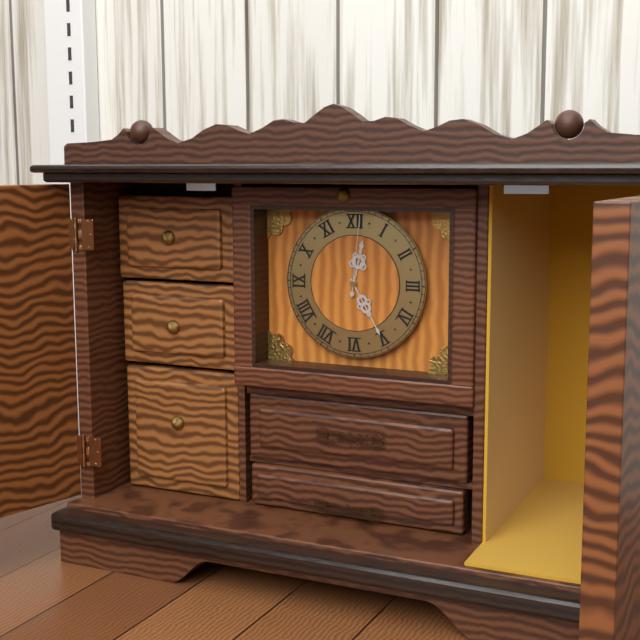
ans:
**12:25:01**
